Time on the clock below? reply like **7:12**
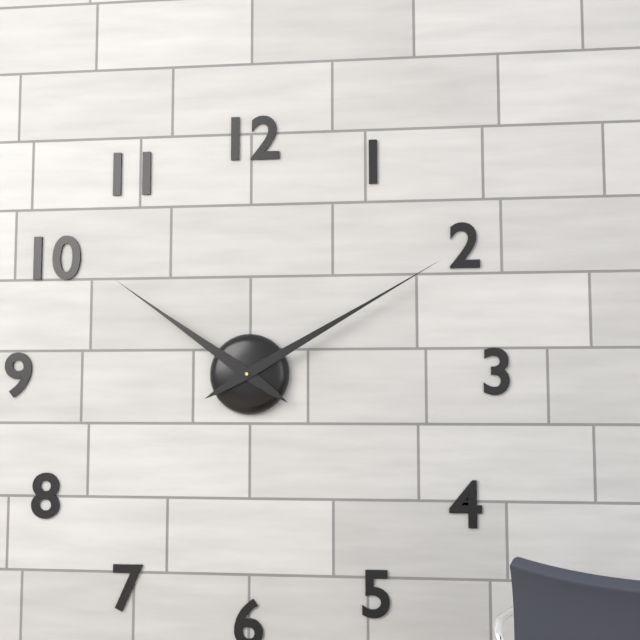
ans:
**10:10**
